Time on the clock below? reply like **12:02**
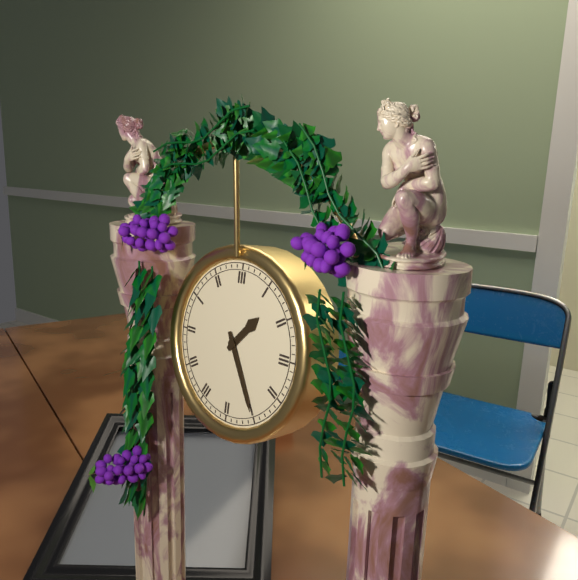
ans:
**1:25**
